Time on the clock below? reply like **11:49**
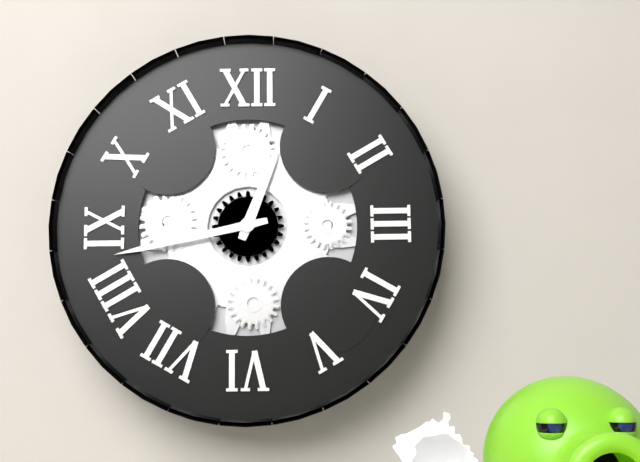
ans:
**12:43**
